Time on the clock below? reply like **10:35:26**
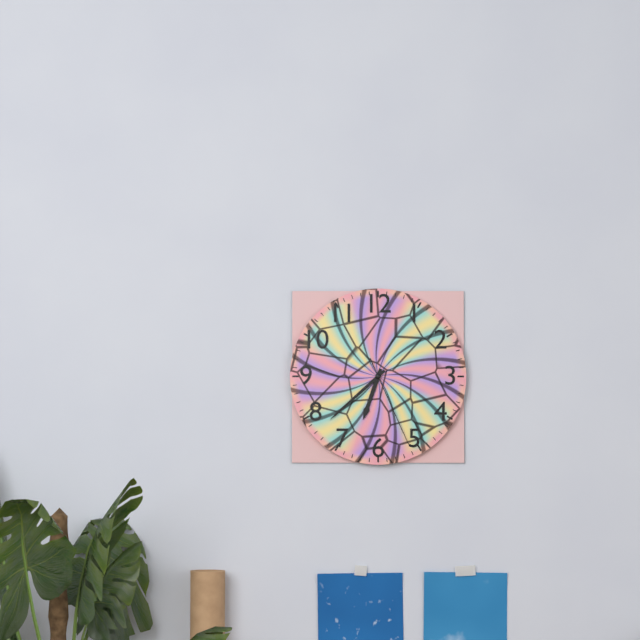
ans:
**6:38:26**
